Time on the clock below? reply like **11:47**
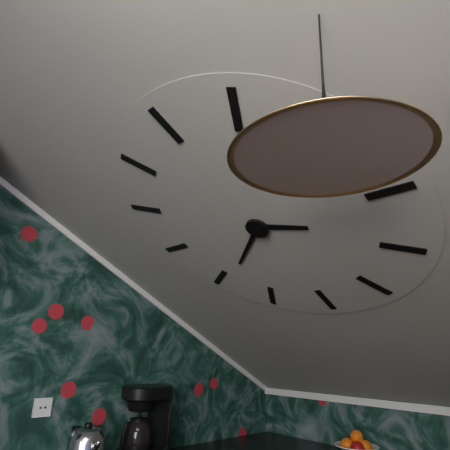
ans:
**3:39**
